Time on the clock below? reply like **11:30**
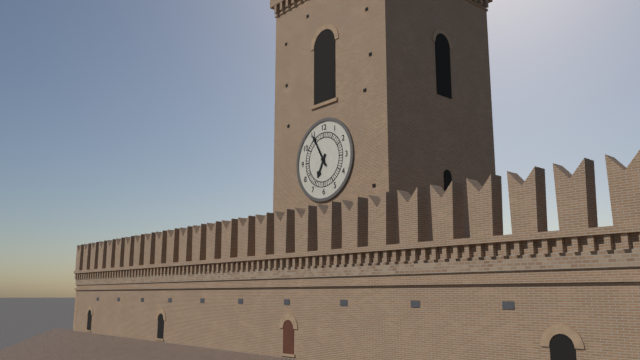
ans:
**6:55**
